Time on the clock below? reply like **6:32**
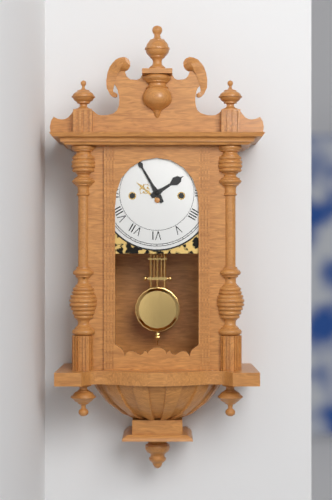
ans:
**1:55**
